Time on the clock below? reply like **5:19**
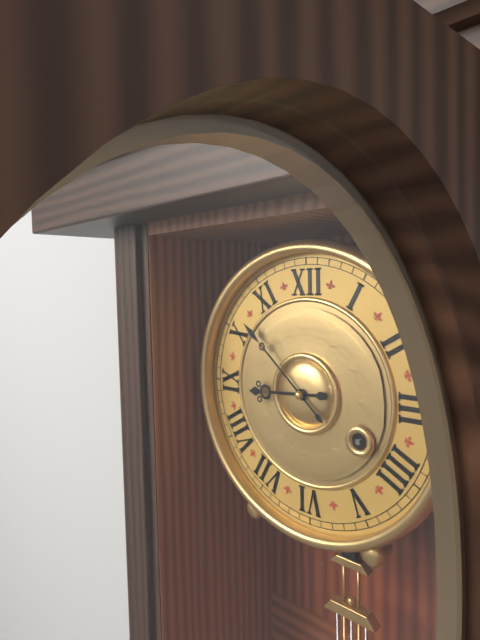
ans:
**8:52**
